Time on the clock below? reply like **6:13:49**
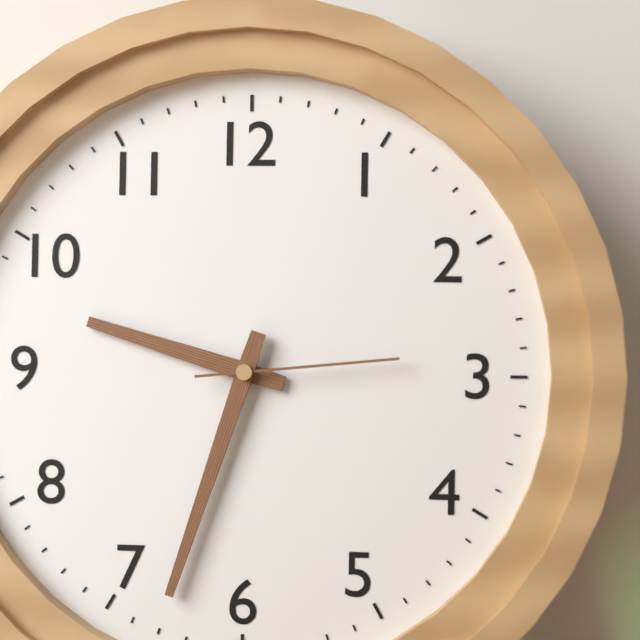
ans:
**9:33:14**
